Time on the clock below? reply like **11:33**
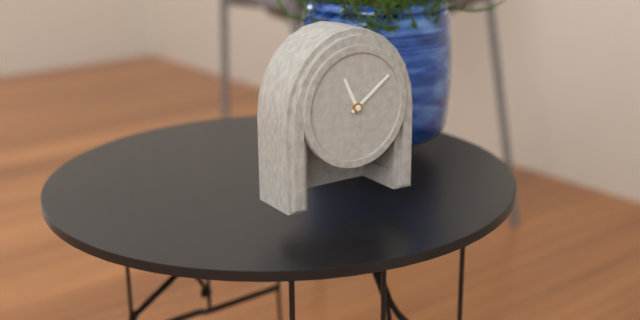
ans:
**11:09**
